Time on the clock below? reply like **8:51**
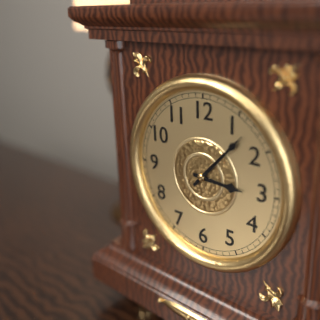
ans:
**3:07**
